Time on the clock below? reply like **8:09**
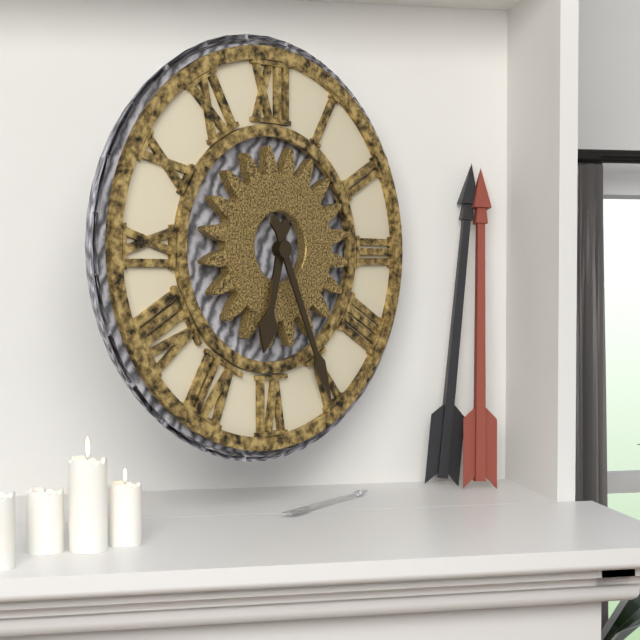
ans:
**6:26**
